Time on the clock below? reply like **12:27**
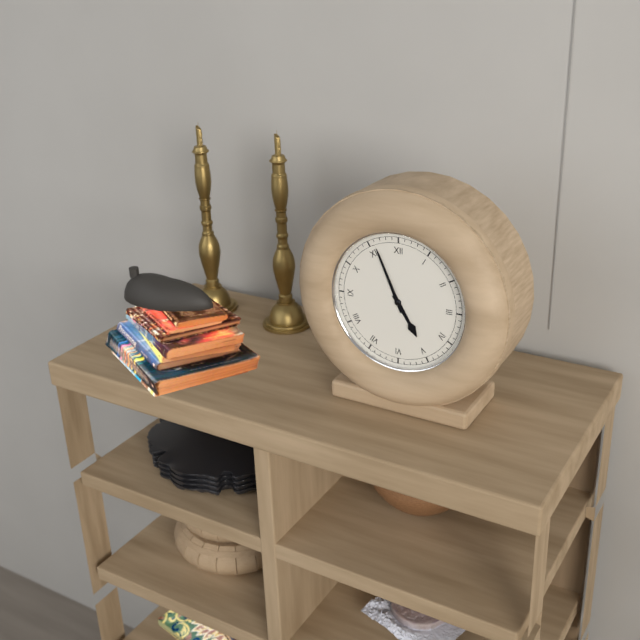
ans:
**4:56**
